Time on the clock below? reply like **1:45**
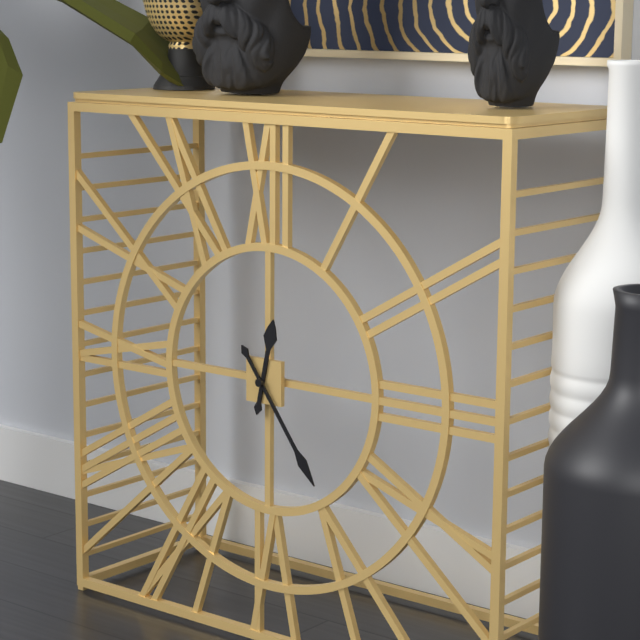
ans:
**12:24**
